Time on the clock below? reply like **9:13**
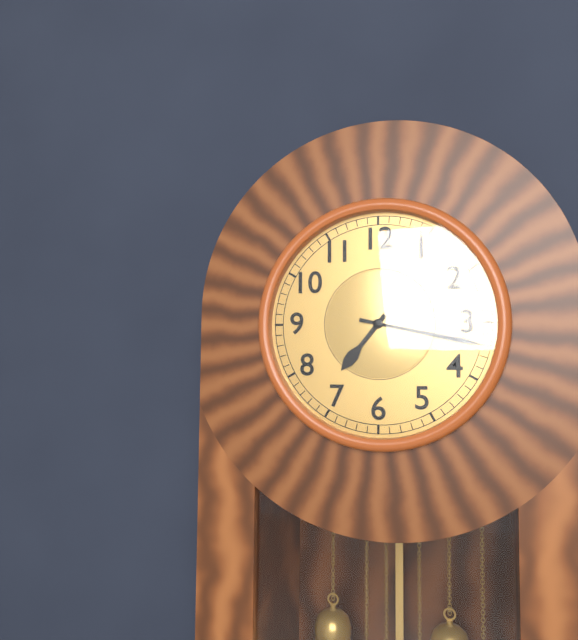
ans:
**7:17**
